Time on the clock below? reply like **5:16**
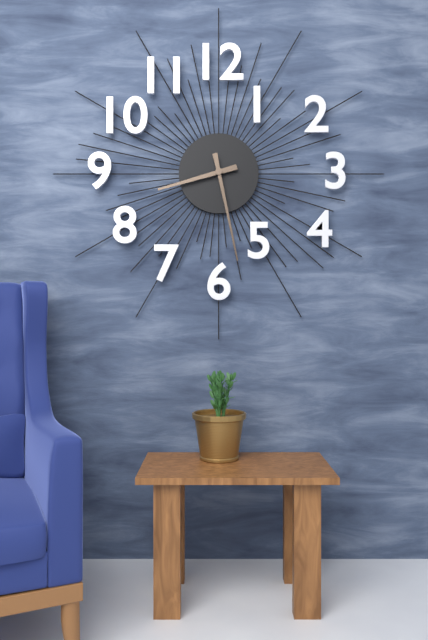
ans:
**8:28**
